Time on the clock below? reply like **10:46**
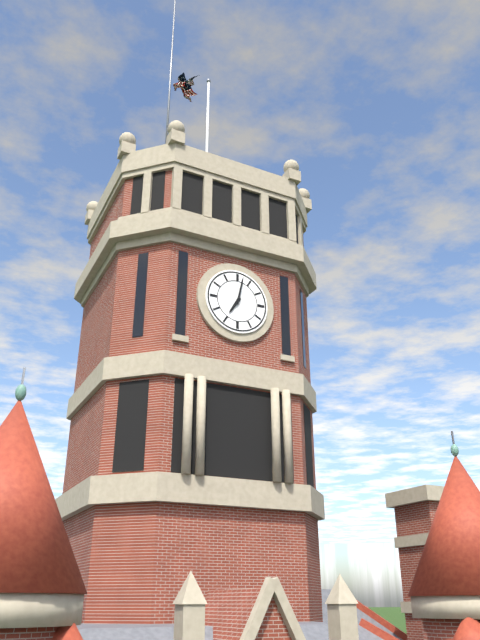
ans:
**7:02**
